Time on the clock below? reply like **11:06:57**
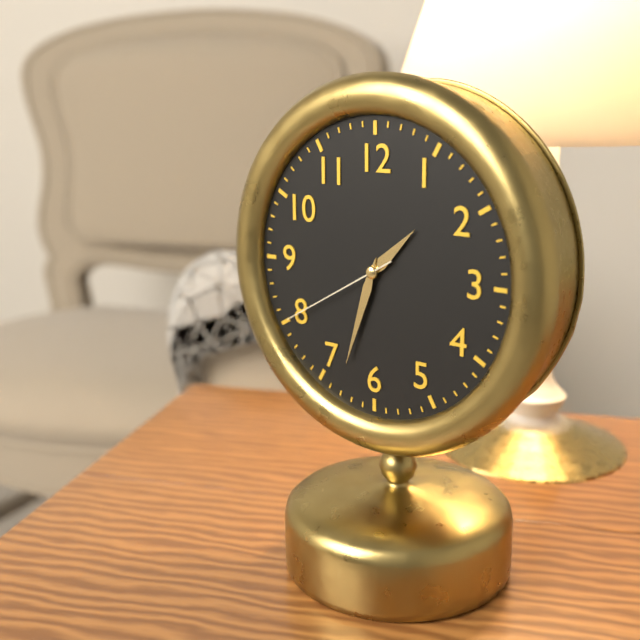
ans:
**1:33:40**
